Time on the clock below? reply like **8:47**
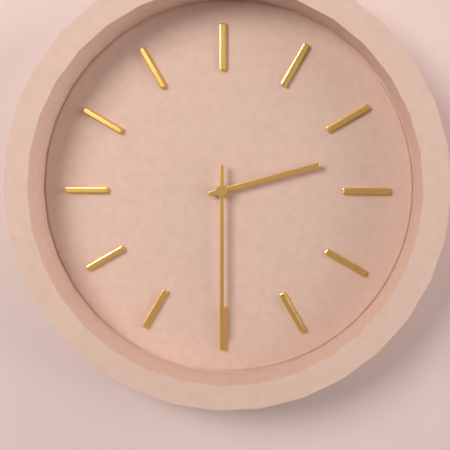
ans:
**2:30**
